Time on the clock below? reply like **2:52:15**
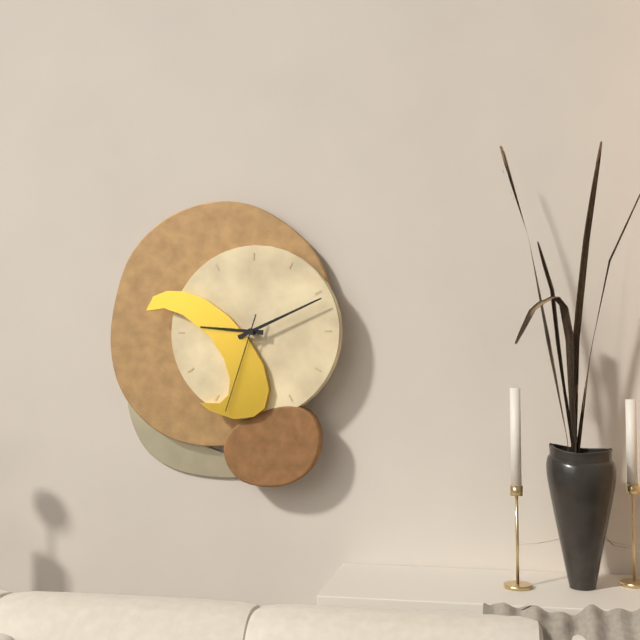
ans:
**9:11:33**
